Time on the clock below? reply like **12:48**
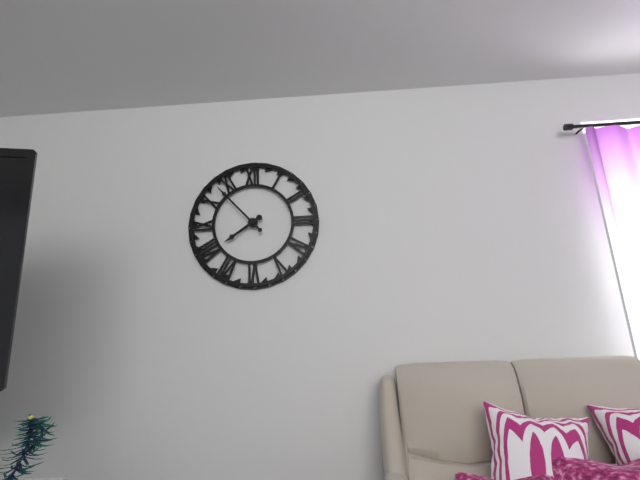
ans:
**7:53**
